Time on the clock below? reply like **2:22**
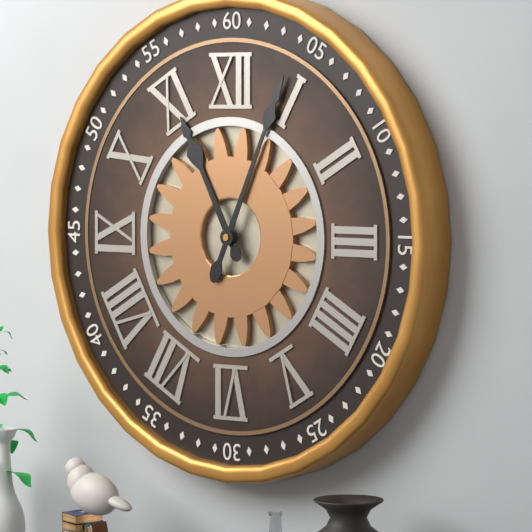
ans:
**11:04**
